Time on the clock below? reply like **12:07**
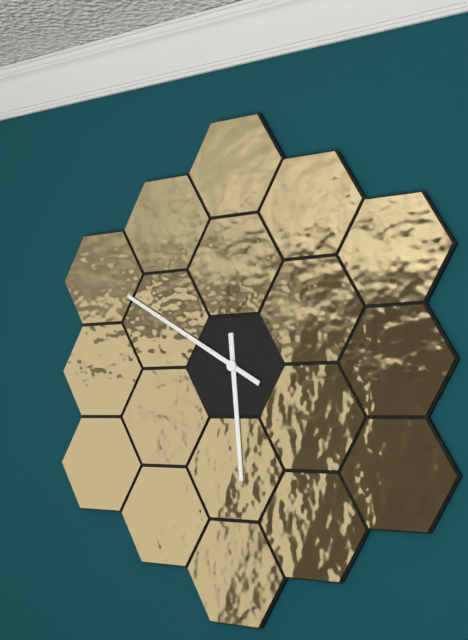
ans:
**5:50**
